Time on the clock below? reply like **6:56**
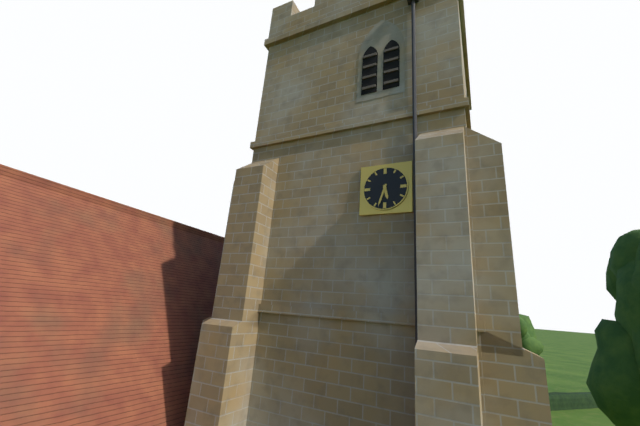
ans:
**5:33**
